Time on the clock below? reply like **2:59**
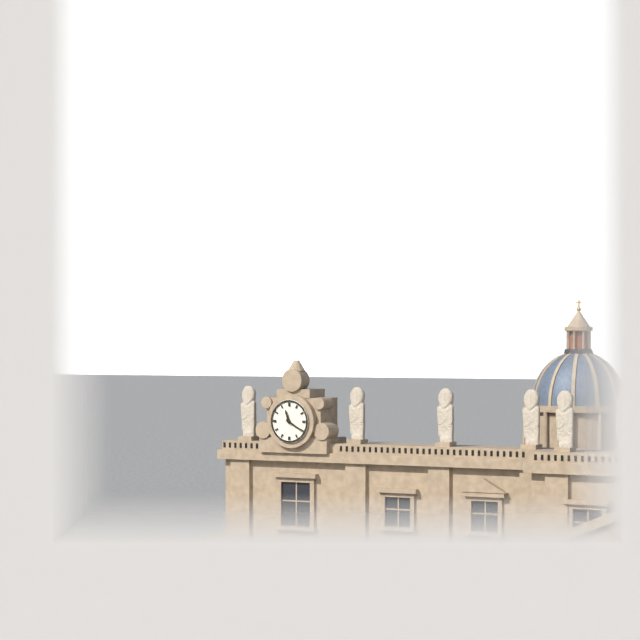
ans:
**11:20**
